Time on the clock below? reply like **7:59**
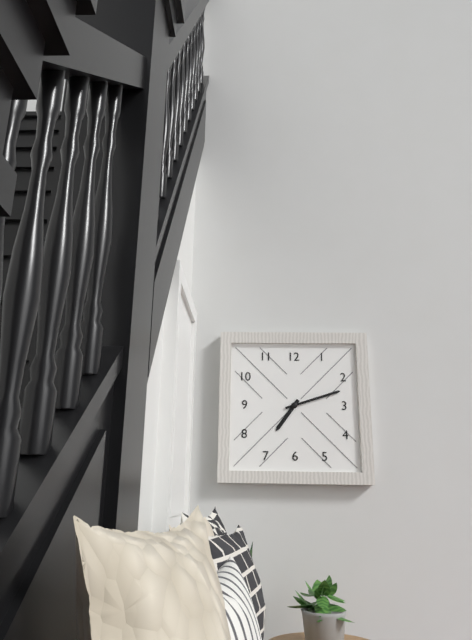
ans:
**7:12**
